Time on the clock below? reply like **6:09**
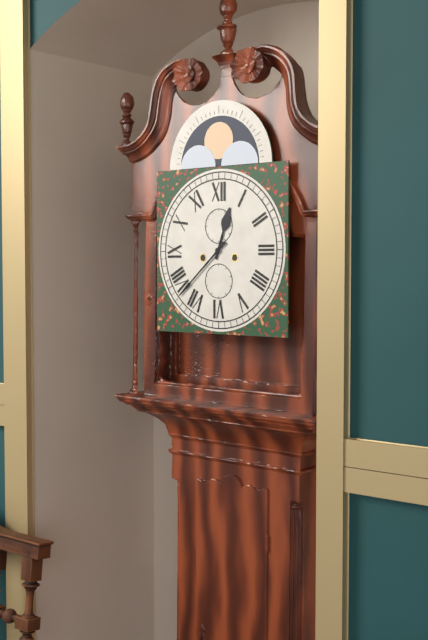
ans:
**12:38**
